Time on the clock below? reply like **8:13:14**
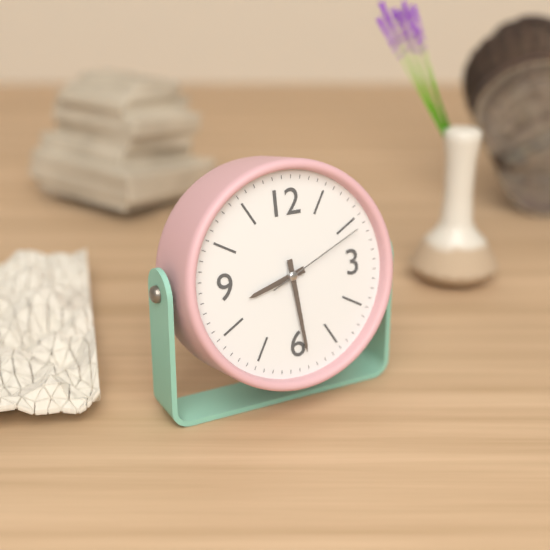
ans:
**8:29:11**
